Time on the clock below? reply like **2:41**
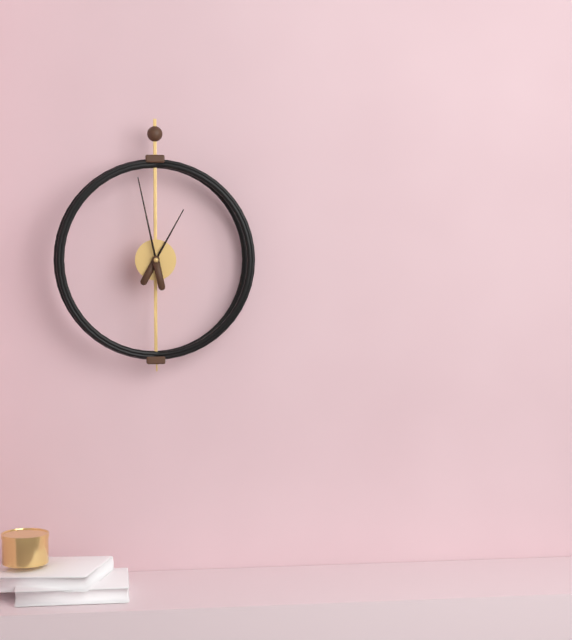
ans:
**12:58**
